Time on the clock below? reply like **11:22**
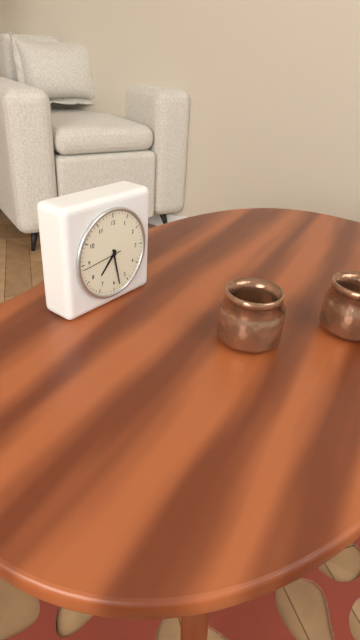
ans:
**7:28**
